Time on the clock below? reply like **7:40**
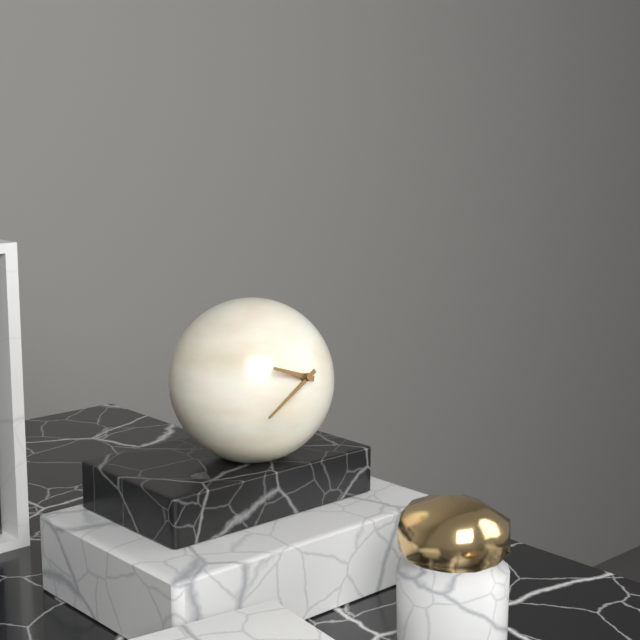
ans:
**9:40**
